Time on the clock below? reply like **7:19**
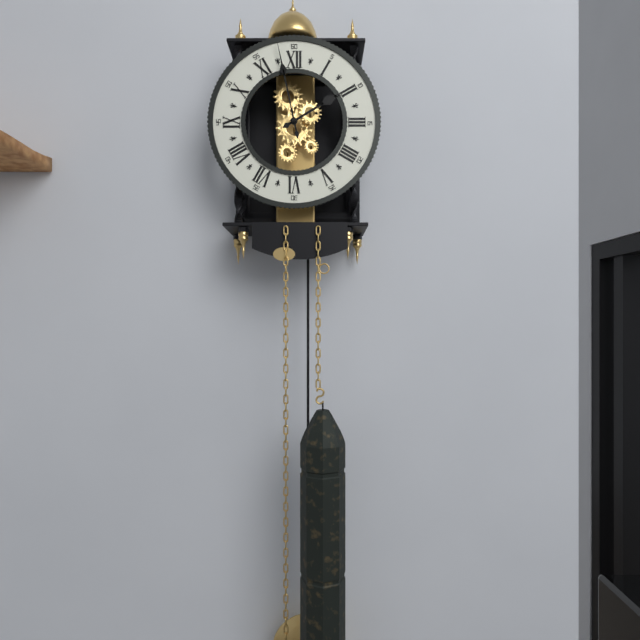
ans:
**1:58**
